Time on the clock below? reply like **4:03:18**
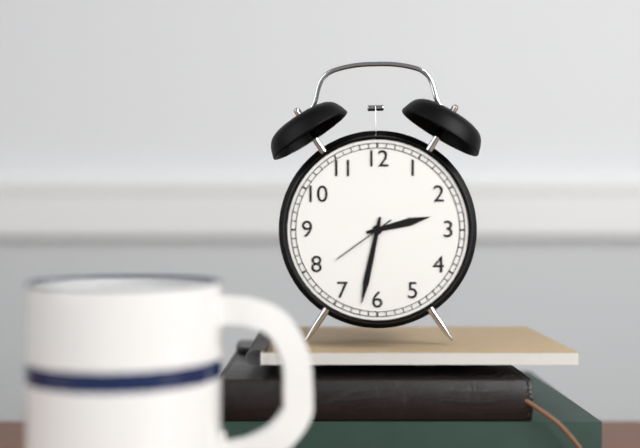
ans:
**2:32:39**
